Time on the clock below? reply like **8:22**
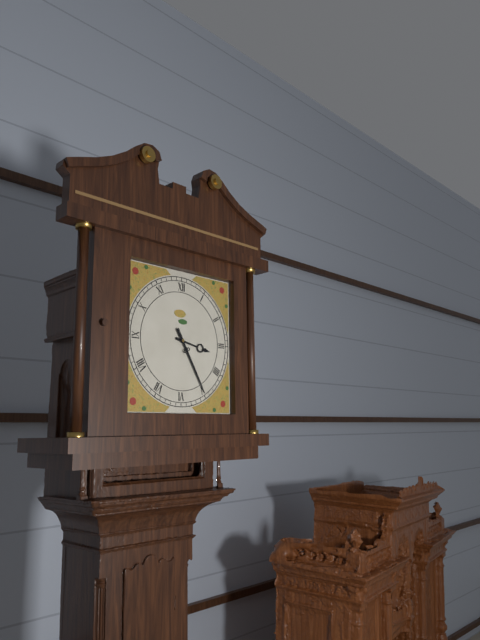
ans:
**3:25**
